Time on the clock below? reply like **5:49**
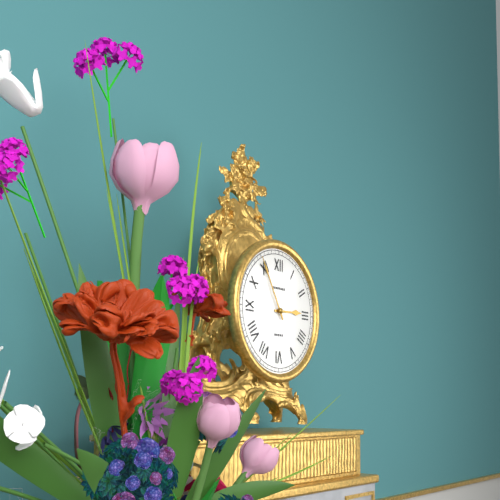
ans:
**2:55**
